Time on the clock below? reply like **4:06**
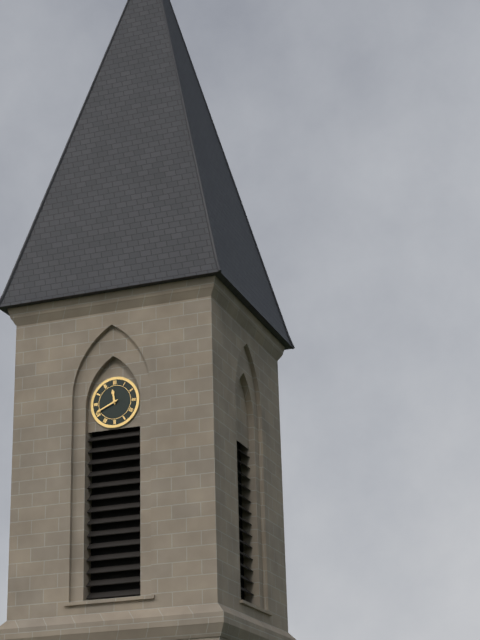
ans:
**11:41**
